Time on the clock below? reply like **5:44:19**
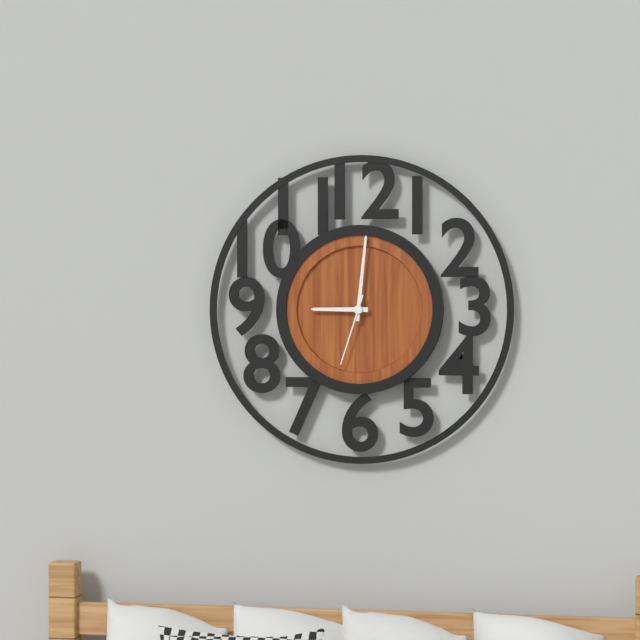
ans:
**9:01:33**
